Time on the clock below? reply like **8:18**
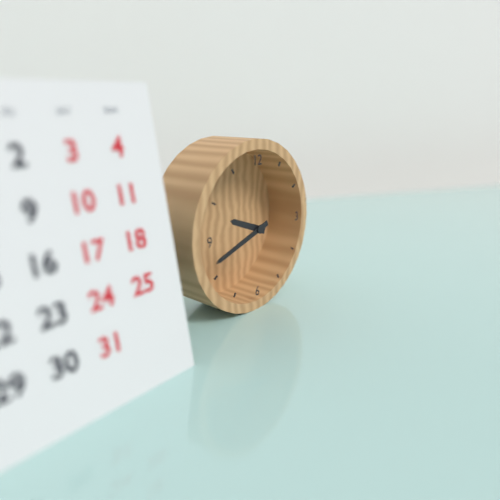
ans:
**9:42**
